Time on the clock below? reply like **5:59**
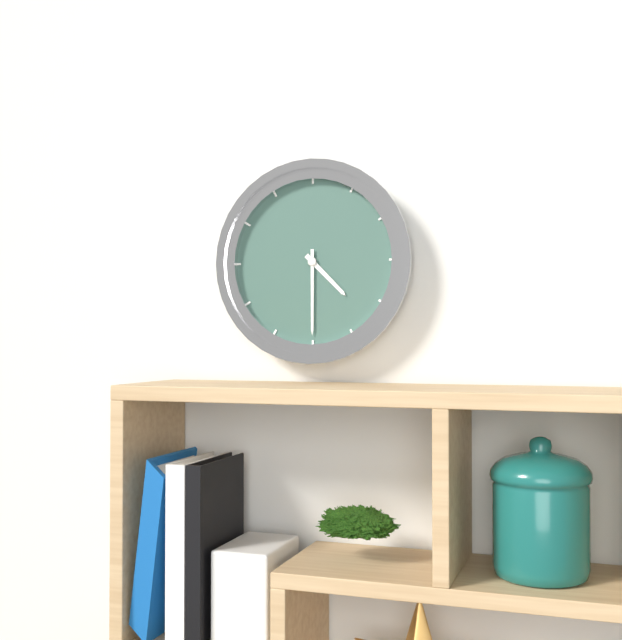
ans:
**4:30**
